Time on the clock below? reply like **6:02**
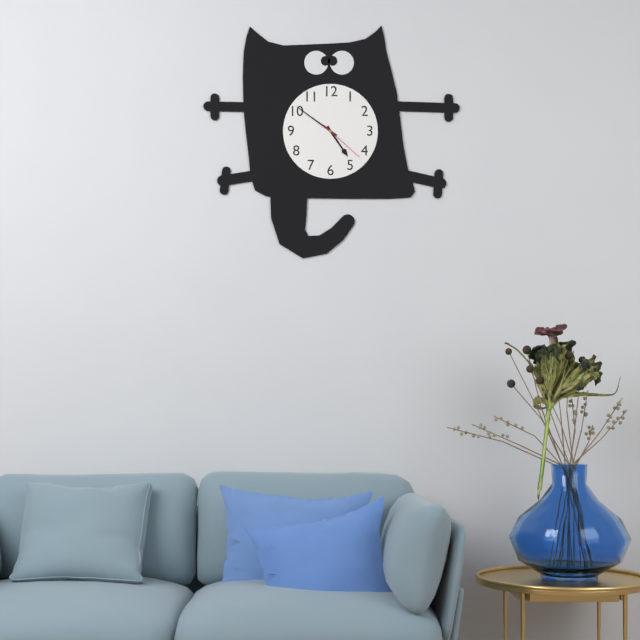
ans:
**4:51**
